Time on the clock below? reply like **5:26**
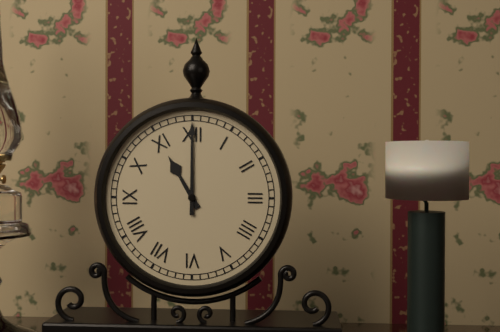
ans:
**11:00**
